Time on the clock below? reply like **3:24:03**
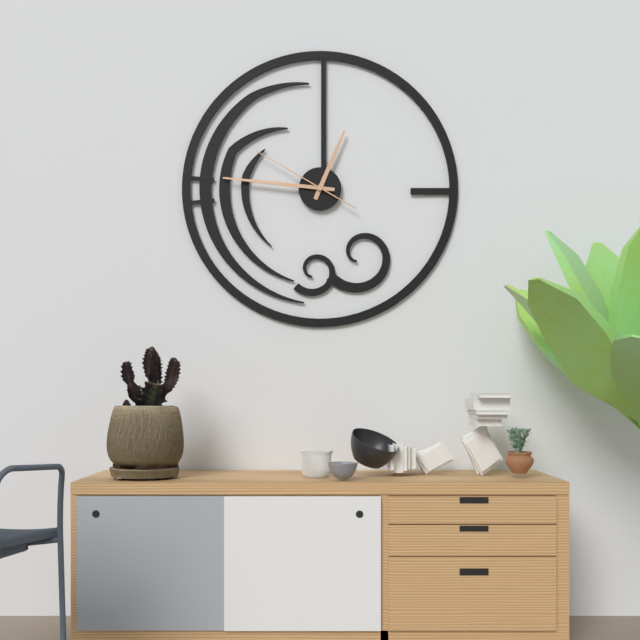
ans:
**12:46:50**
